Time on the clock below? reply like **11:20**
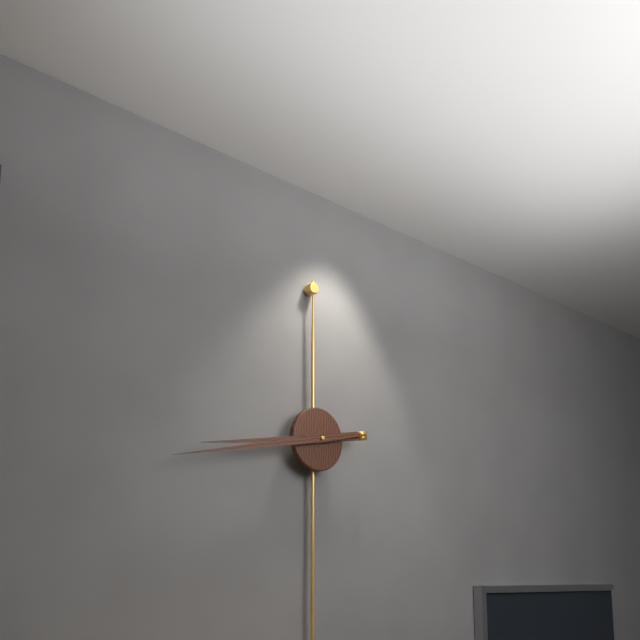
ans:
**8:43**
